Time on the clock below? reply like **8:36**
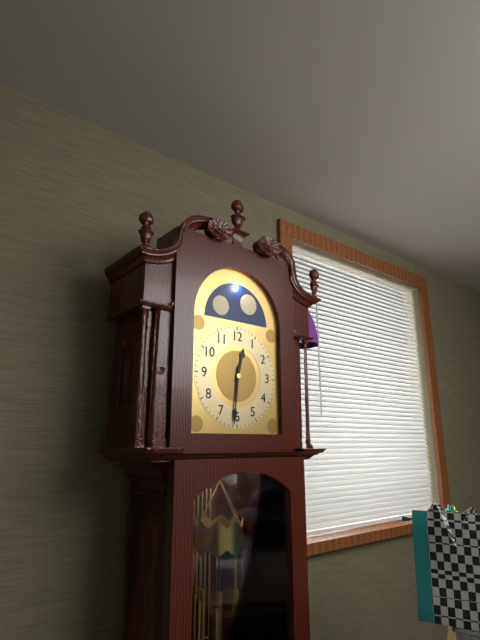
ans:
**12:31**
